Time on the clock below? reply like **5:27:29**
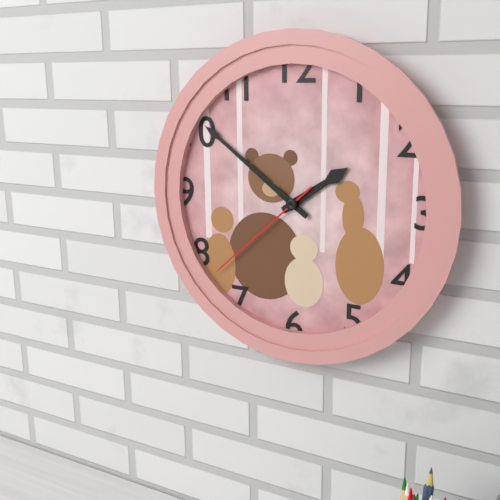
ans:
**1:51:38**
